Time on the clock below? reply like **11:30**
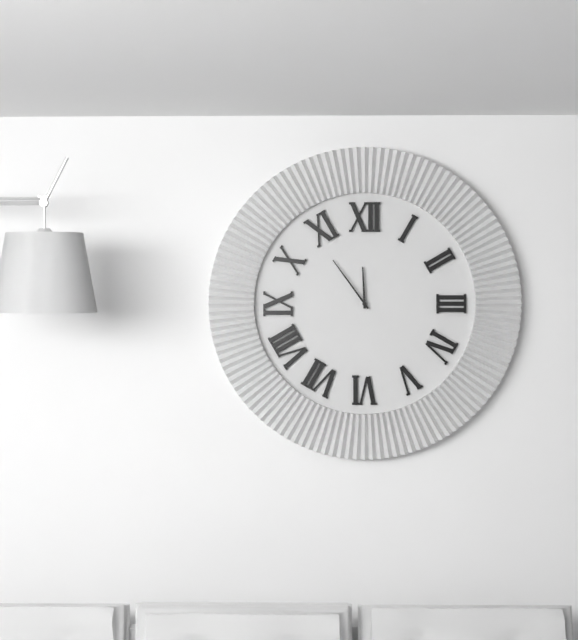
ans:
**11:54**
